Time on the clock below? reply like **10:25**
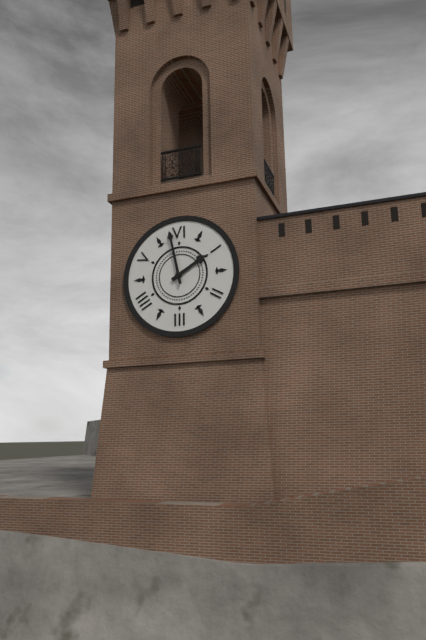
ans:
**1:58**
